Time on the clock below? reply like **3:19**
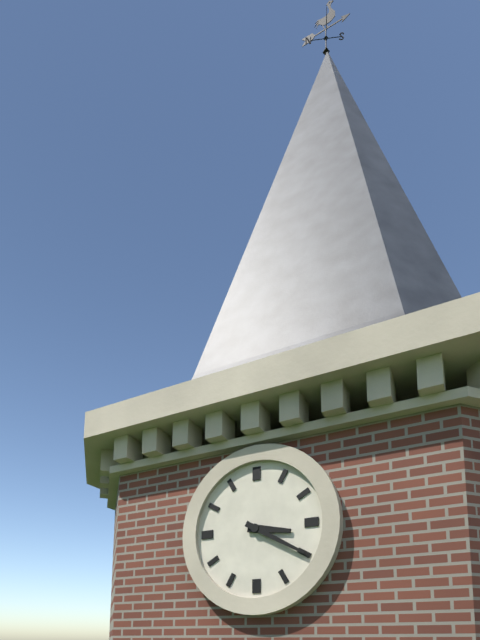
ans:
**3:20**
